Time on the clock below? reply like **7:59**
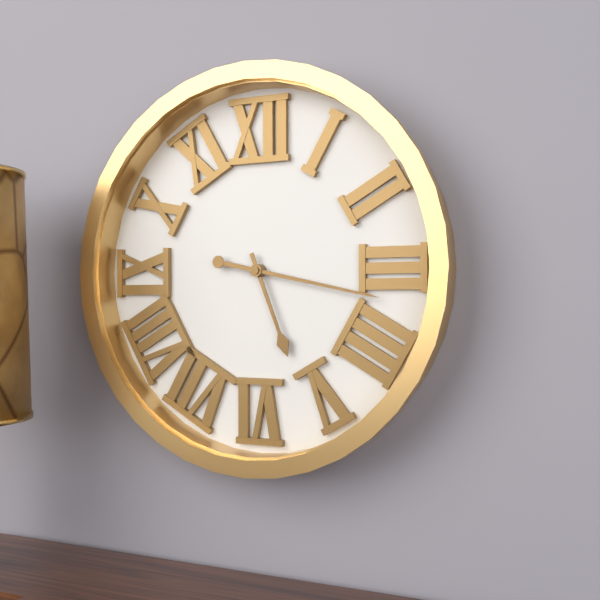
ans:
**5:17**
